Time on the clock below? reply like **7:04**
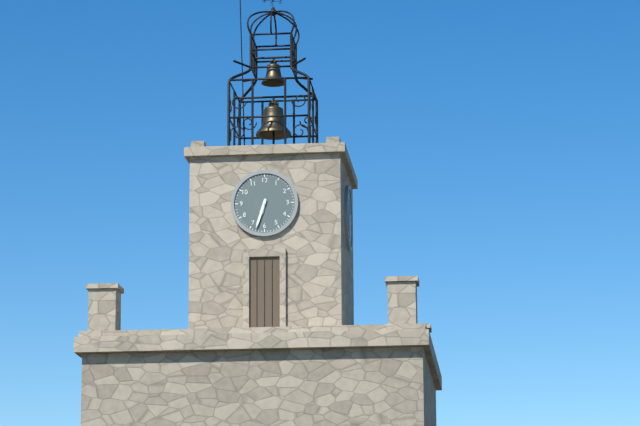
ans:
**6:33**
